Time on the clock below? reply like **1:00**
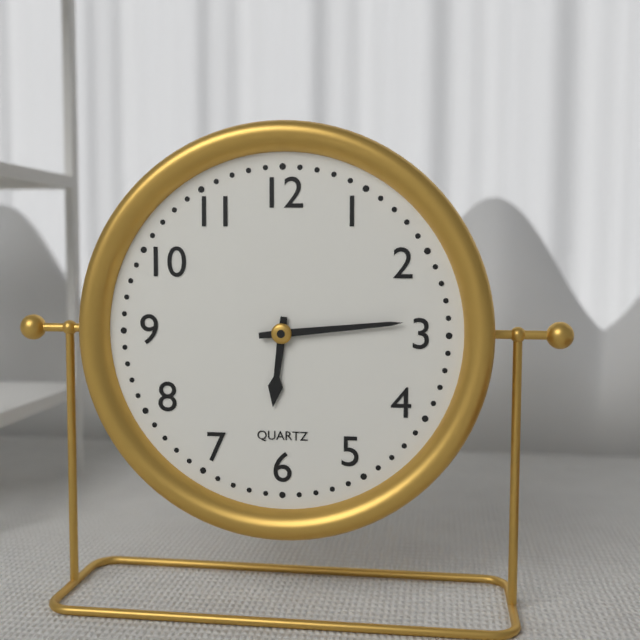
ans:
**6:14**
